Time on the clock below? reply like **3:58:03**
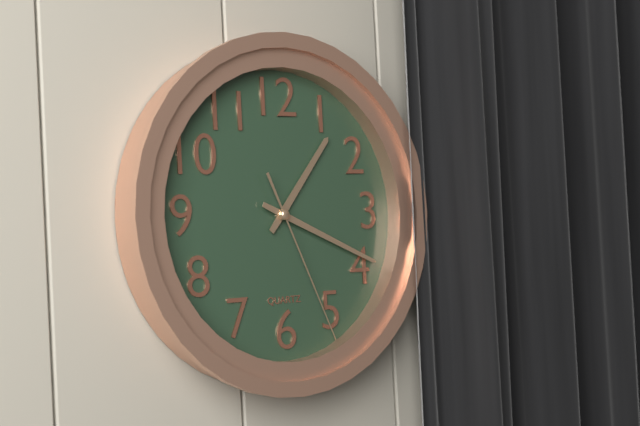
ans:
**1:19:26**
